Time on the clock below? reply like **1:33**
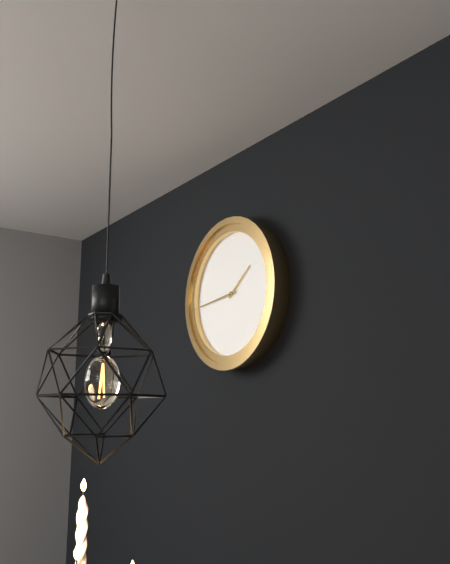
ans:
**1:44**
